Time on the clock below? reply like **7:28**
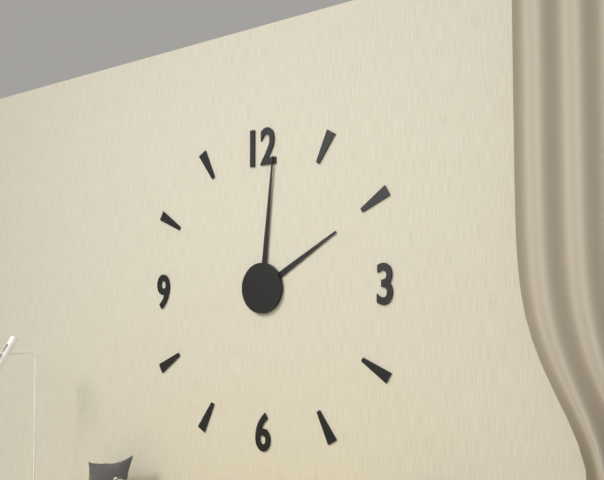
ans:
**2:01**
